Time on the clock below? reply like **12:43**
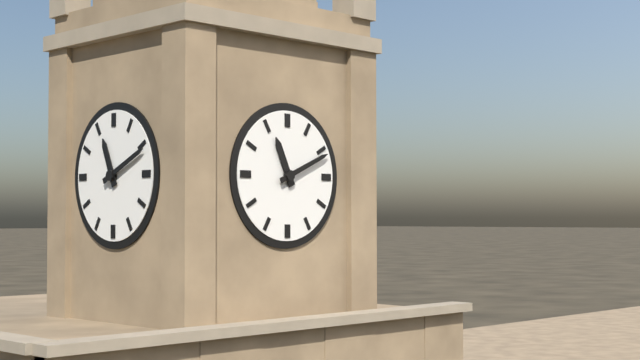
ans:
**11:11**
